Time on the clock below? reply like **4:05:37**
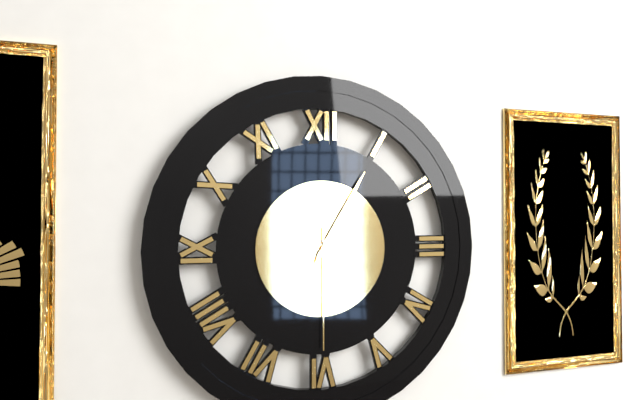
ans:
**10:05:30**
